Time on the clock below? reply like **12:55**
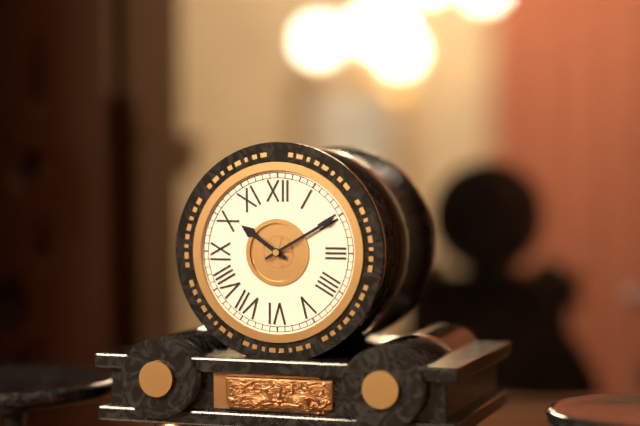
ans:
**10:10**
